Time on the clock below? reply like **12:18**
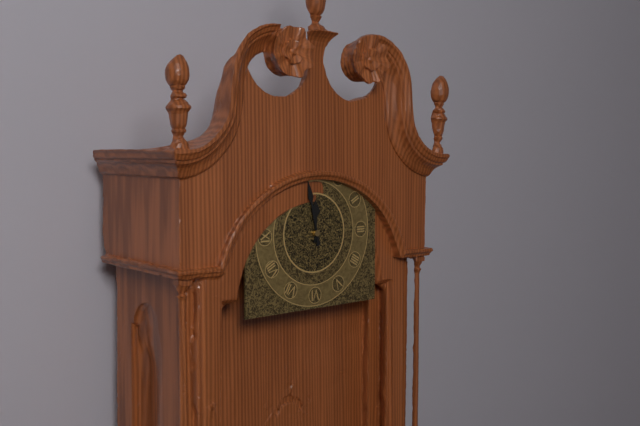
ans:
**11:58**
